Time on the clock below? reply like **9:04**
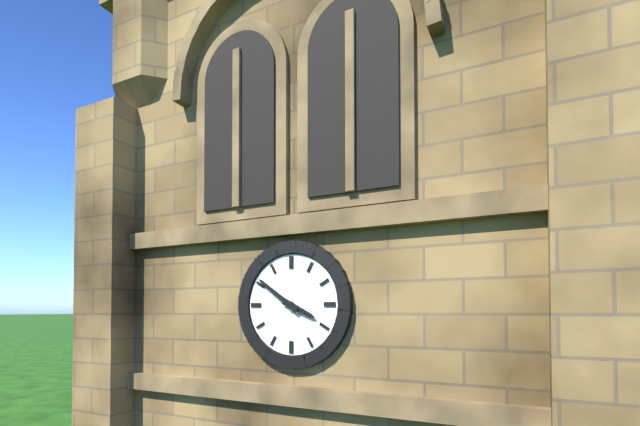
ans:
**3:51**
